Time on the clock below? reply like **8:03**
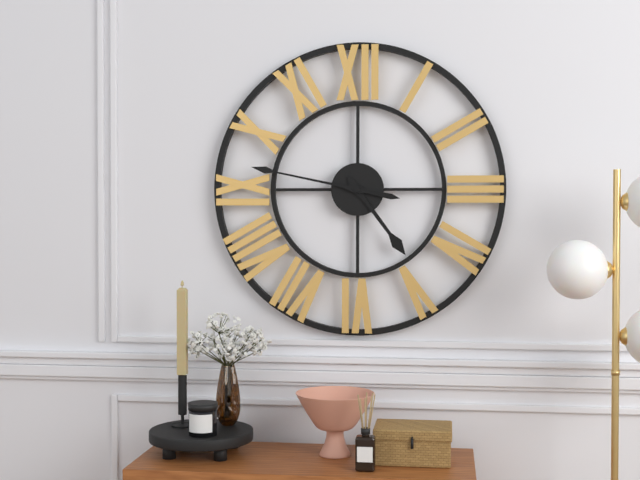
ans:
**4:47**
